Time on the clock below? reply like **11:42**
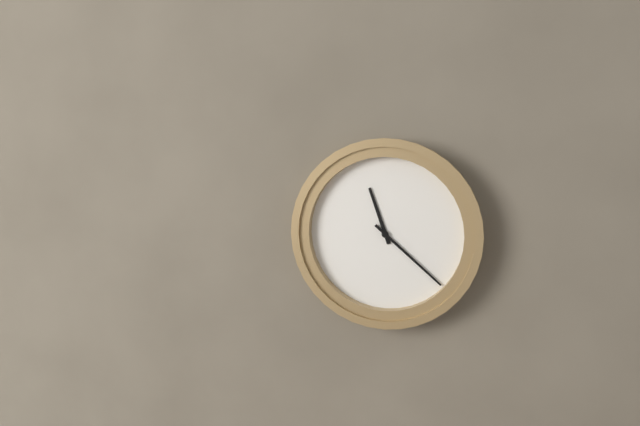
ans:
**11:22**
